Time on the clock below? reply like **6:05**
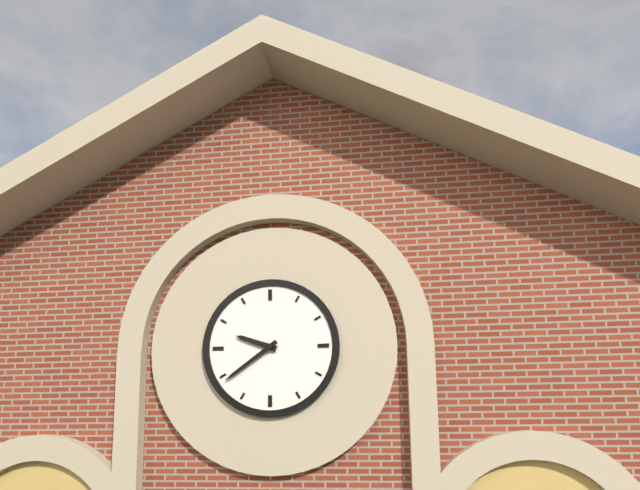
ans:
**9:39**
